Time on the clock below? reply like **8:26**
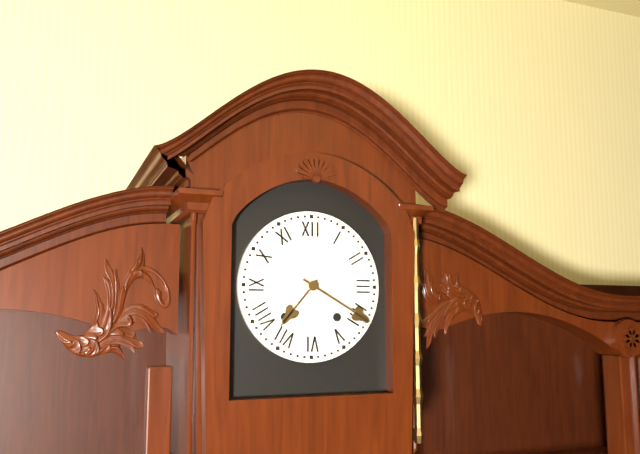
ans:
**7:20**
